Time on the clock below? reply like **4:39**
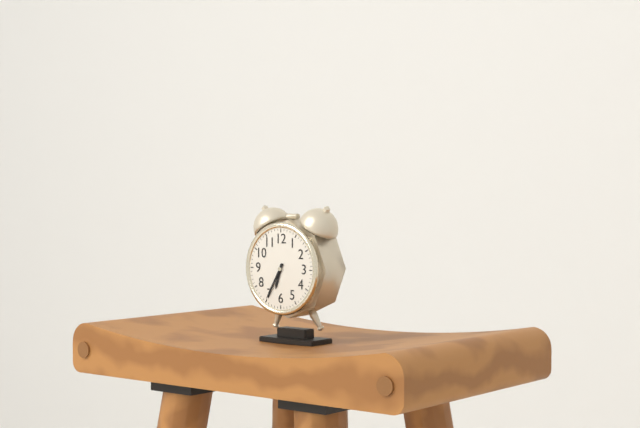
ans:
**6:35**
